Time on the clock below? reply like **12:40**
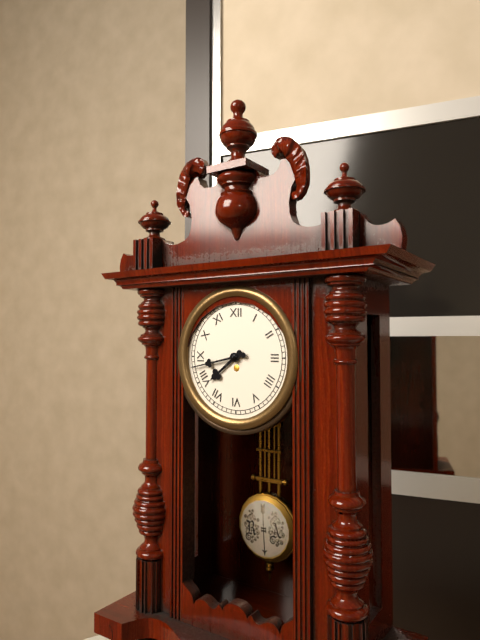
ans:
**7:43**
